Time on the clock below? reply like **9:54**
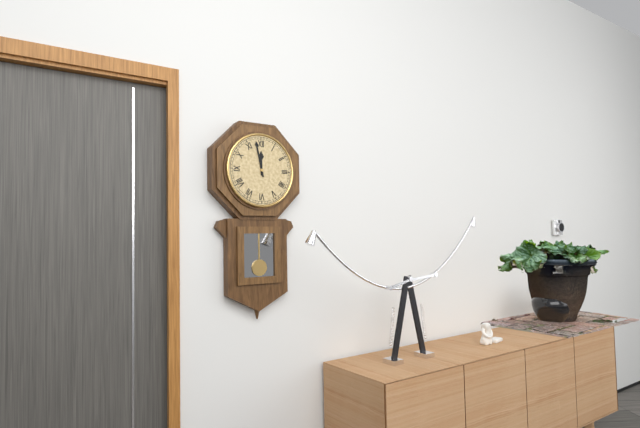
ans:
**11:58**
